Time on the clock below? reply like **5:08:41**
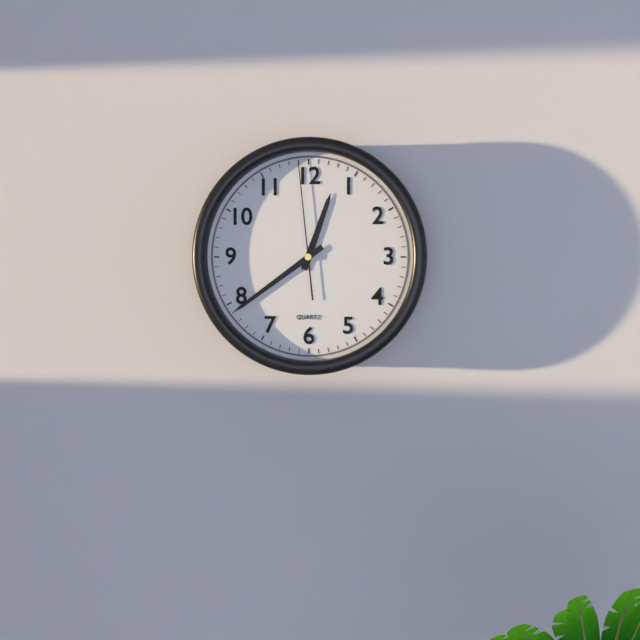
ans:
**12:39:59**
